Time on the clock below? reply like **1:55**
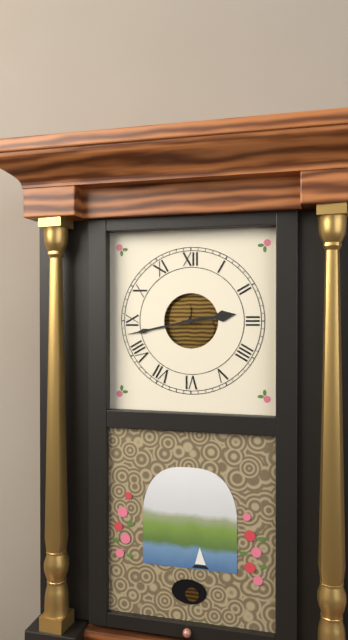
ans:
**2:43**
